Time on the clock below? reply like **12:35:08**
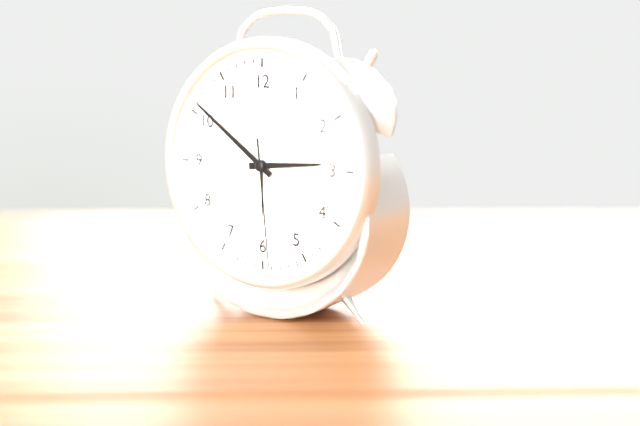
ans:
**2:51:29**
